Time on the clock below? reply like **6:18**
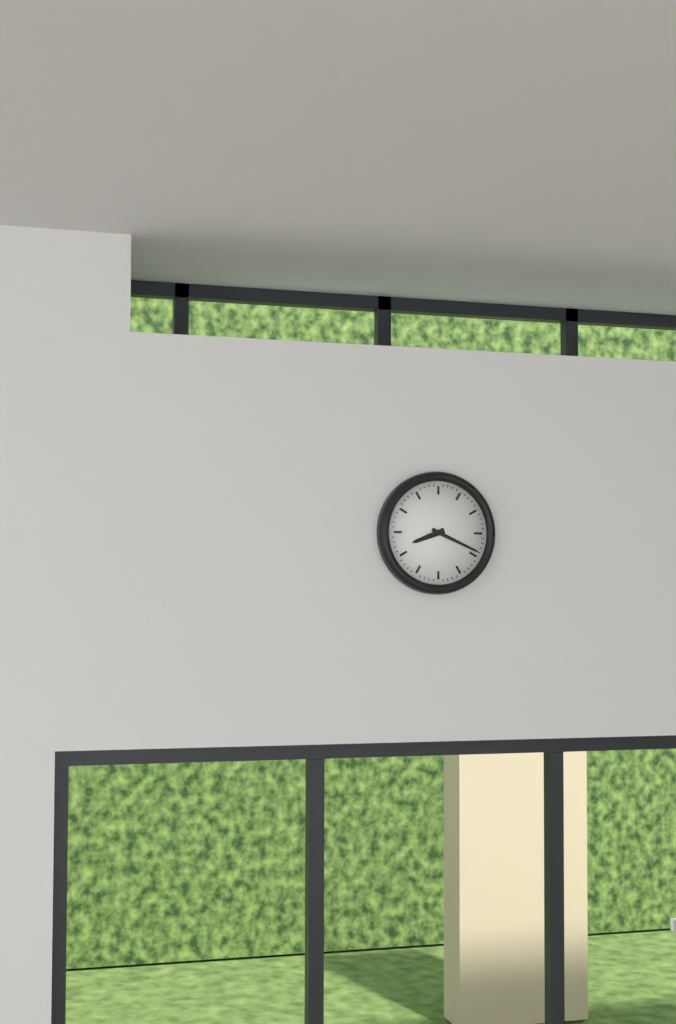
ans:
**8:19**
